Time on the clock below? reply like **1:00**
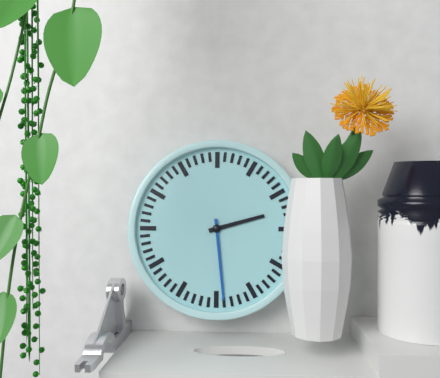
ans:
**2:29**
